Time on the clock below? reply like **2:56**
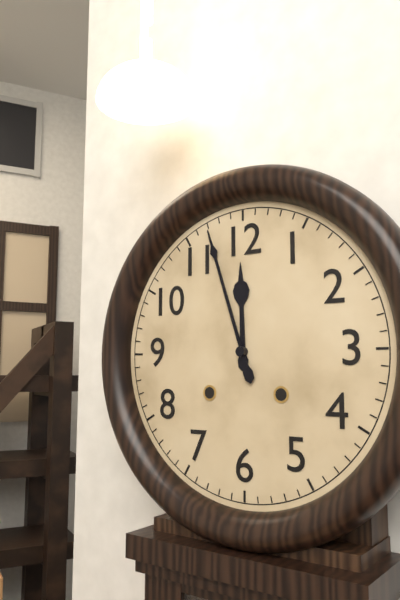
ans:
**11:57**
